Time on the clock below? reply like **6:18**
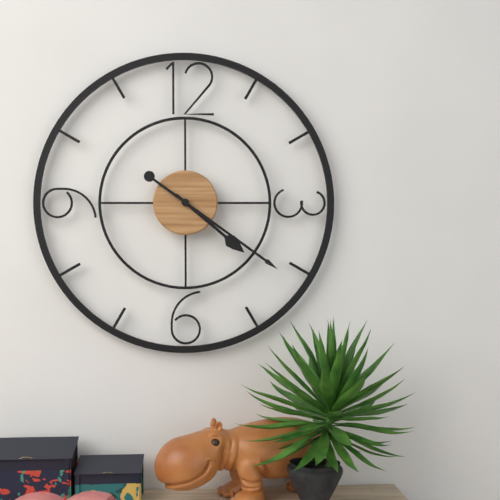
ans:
**4:21**
